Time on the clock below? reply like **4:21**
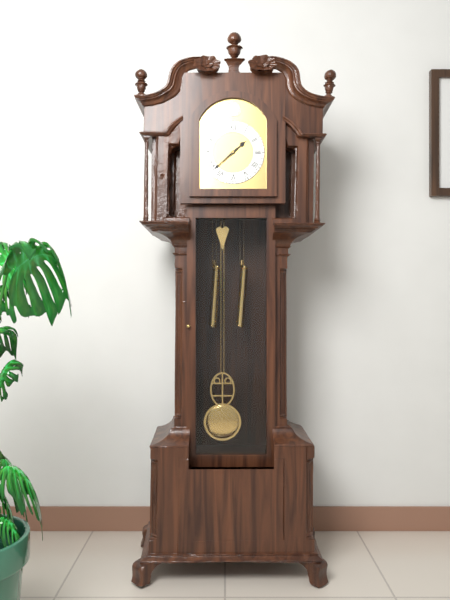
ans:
**1:38**
